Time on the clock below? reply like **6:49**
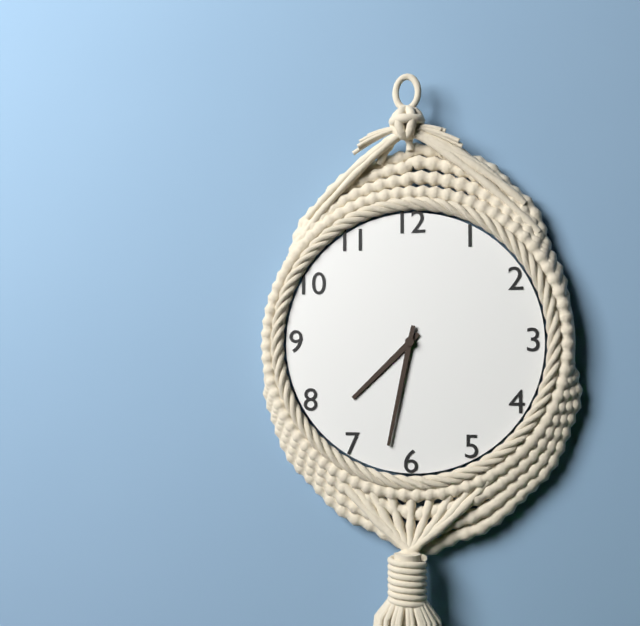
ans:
**7:32**
